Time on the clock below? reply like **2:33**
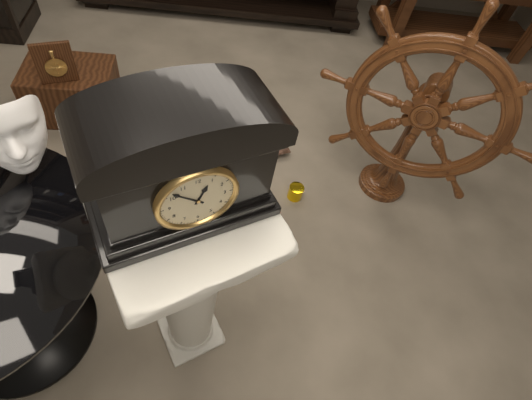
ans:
**12:52**
